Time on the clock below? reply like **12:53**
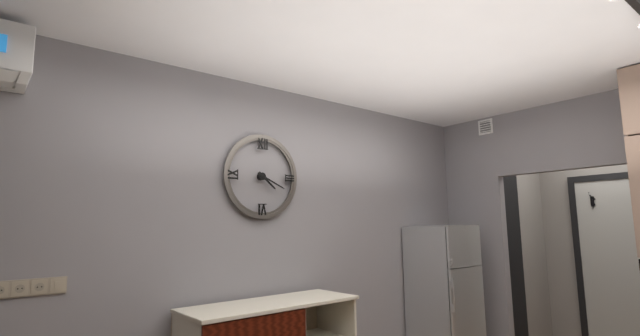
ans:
**4:19**
